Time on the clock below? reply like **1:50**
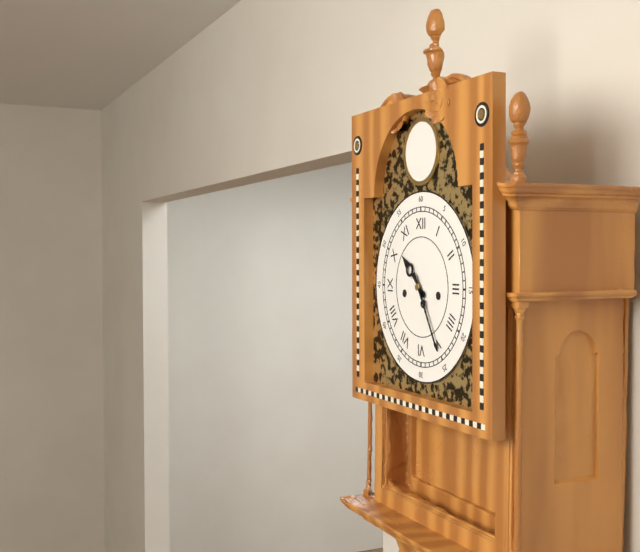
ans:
**10:25**
